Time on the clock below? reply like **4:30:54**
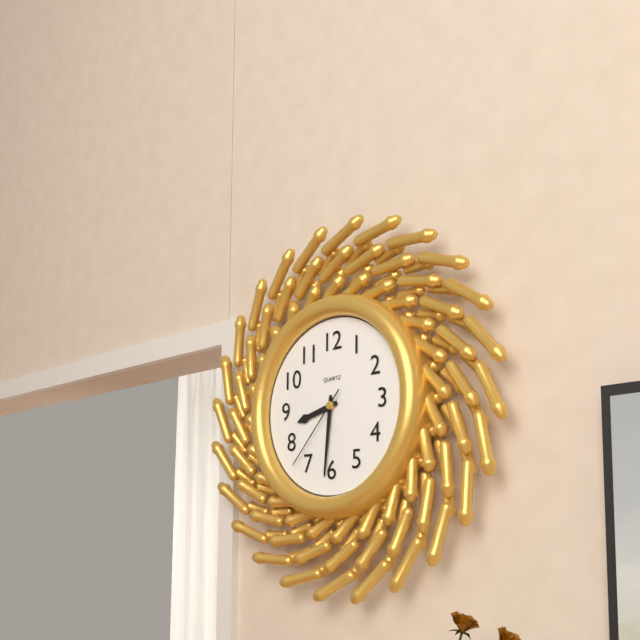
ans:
**8:31:37**
